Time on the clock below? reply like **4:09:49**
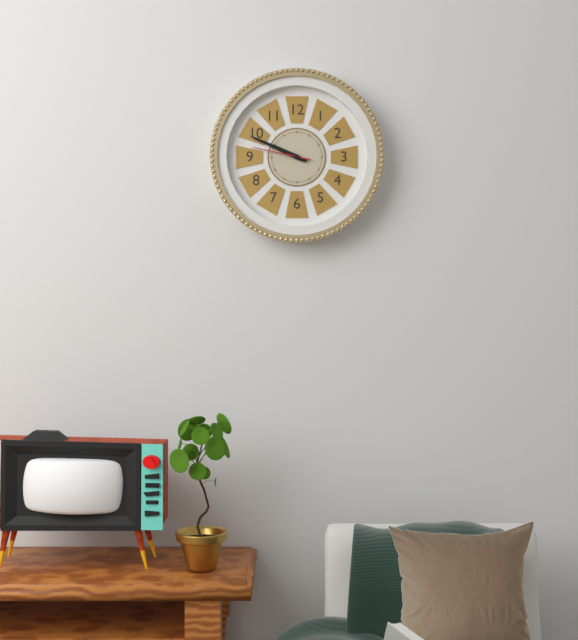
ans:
**9:49:47**
